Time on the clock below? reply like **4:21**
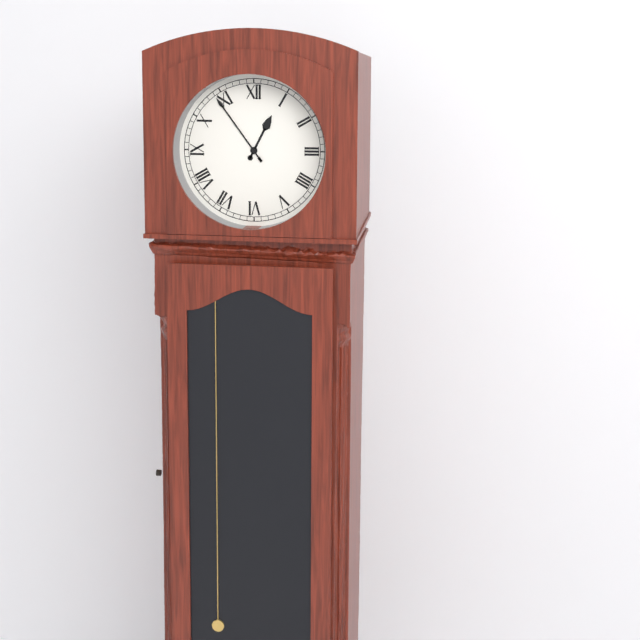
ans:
**12:54**
